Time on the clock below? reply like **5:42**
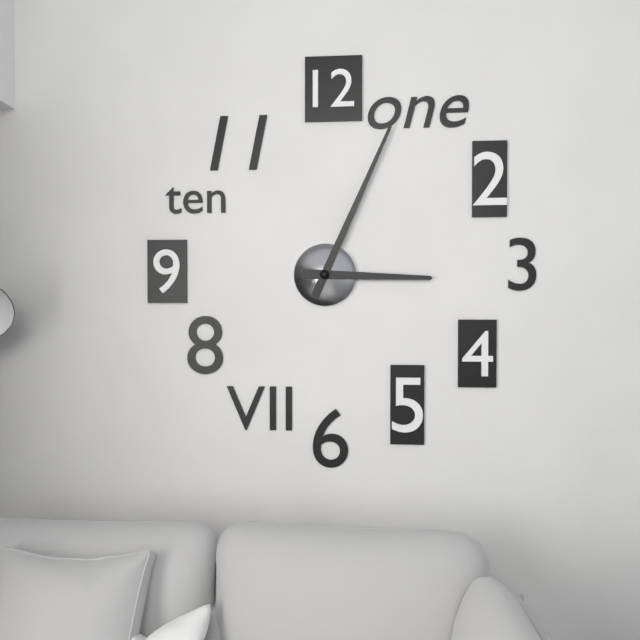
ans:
**3:04**
